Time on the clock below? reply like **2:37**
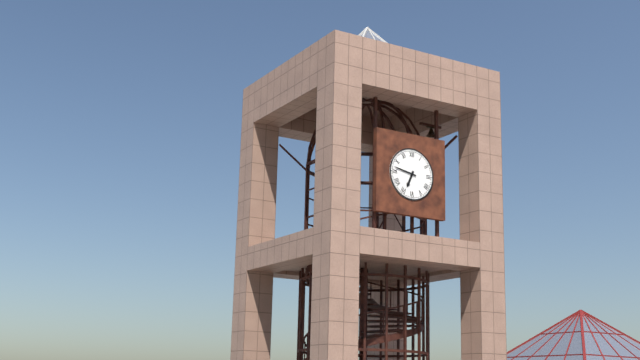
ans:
**6:47**
